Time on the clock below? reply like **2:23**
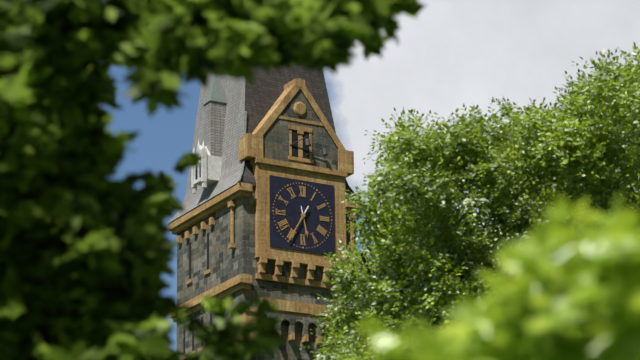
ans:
**5:35**
